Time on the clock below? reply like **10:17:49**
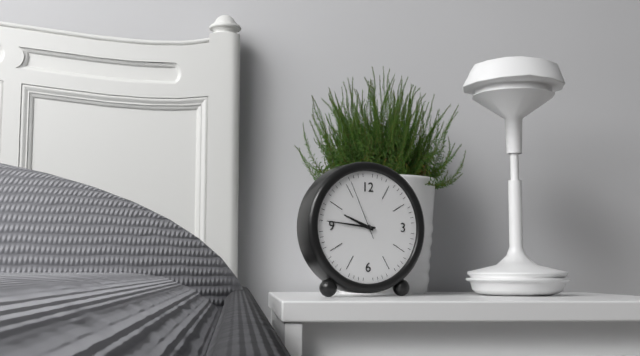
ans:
**9:46:56**
